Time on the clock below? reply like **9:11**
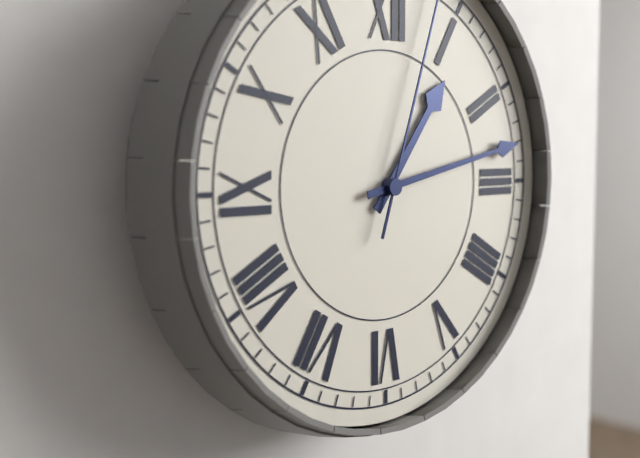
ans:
**1:13**
